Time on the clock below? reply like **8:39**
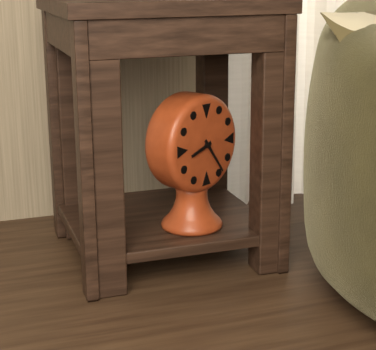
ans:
**8:24**
